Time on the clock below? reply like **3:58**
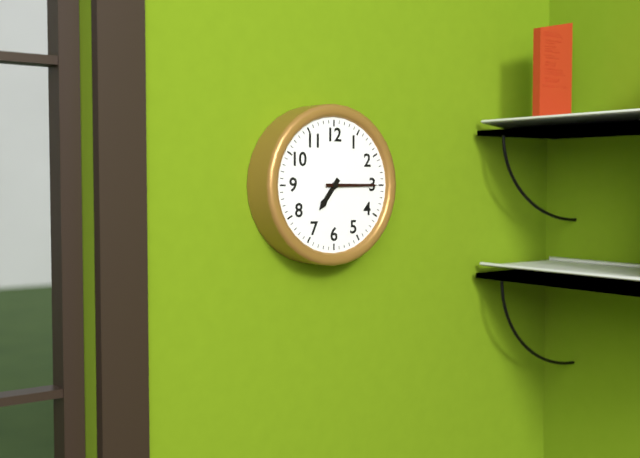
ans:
**7:15**
